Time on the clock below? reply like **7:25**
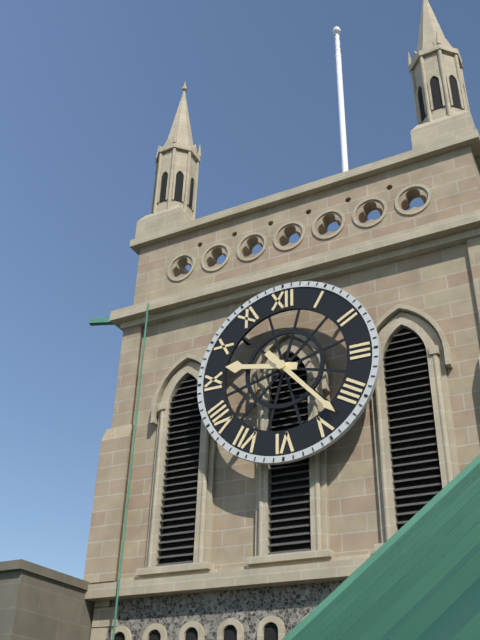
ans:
**9:23**
